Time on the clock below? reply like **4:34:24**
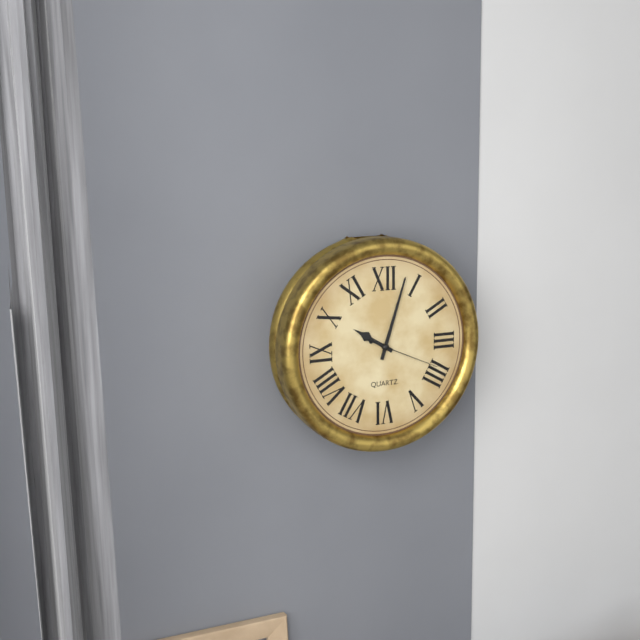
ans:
**10:03:19**
